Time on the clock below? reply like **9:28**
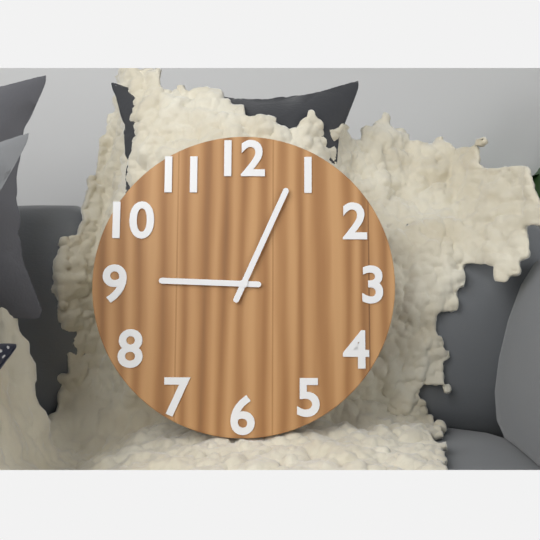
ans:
**9:04**
